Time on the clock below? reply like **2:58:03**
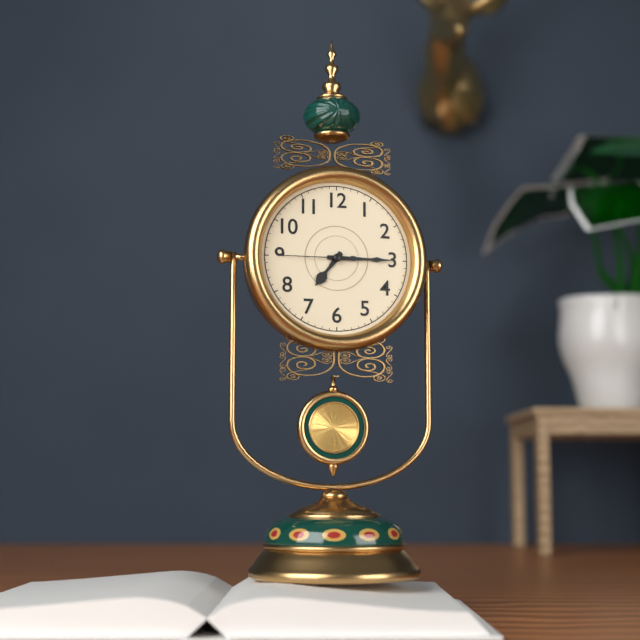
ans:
**7:15:45**
